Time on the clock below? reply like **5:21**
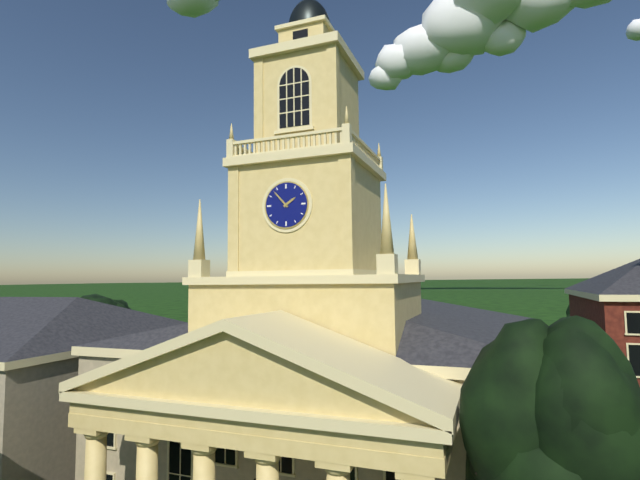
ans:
**1:53**
